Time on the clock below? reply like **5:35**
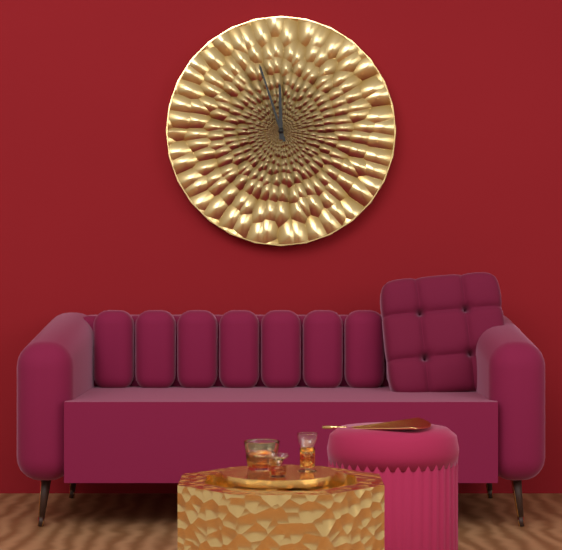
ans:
**11:57**
